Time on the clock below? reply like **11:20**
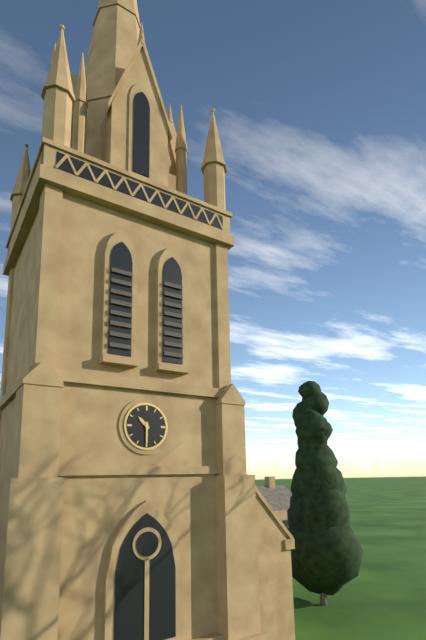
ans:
**10:30**
